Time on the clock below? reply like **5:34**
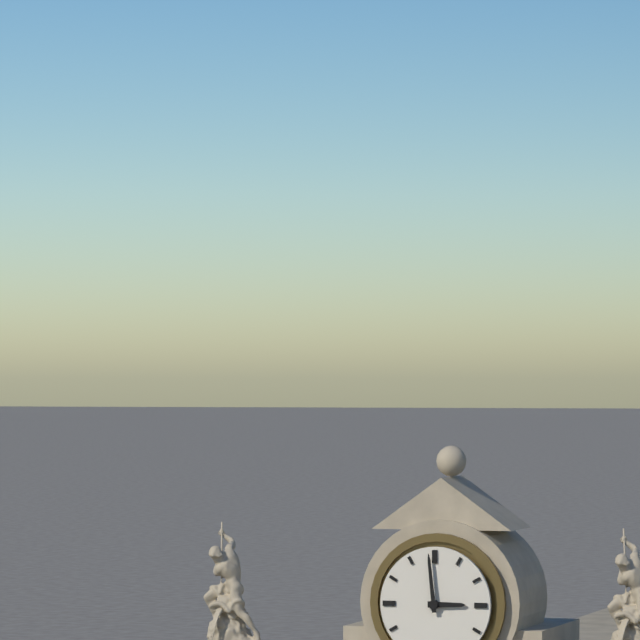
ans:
**2:59**
